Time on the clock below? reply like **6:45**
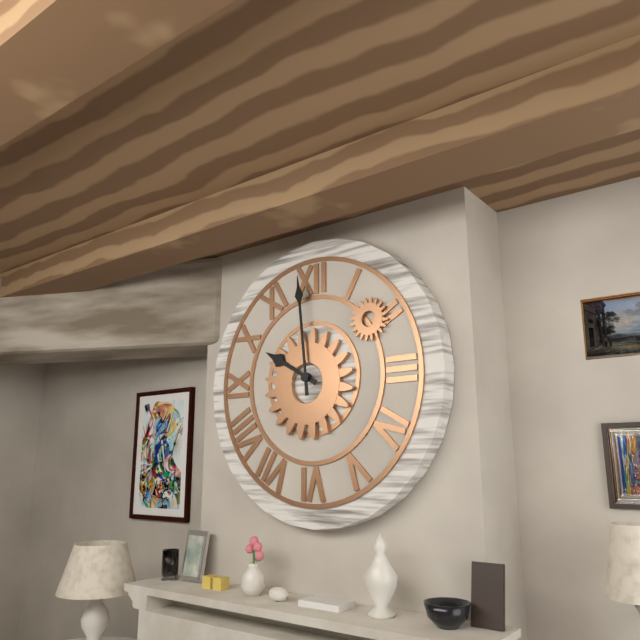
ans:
**9:59**
